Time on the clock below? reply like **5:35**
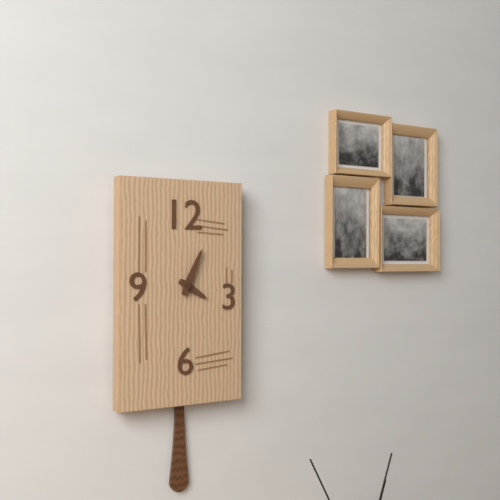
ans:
**4:04**
